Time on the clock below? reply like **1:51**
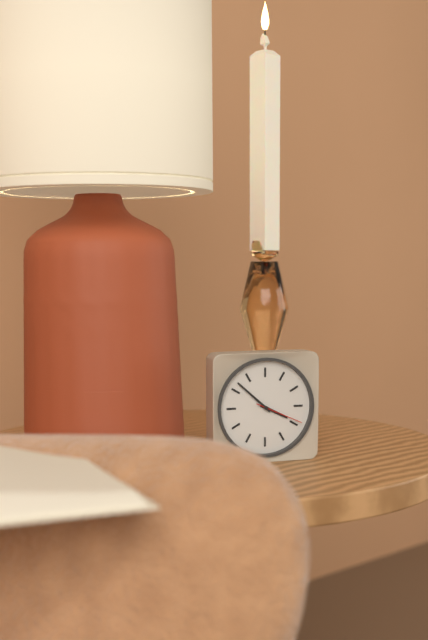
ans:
**3:52**
